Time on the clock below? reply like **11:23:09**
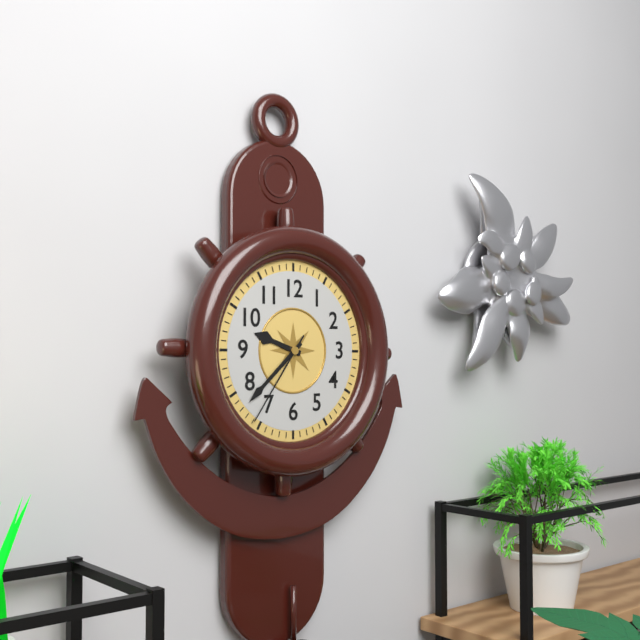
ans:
**9:38:36**
